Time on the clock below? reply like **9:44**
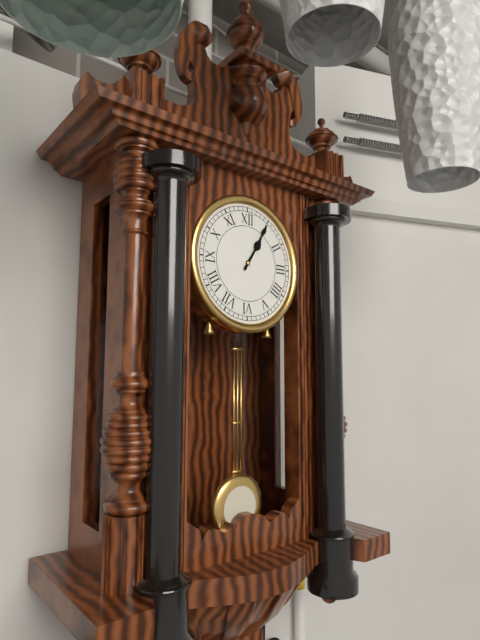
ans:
**1:05**
